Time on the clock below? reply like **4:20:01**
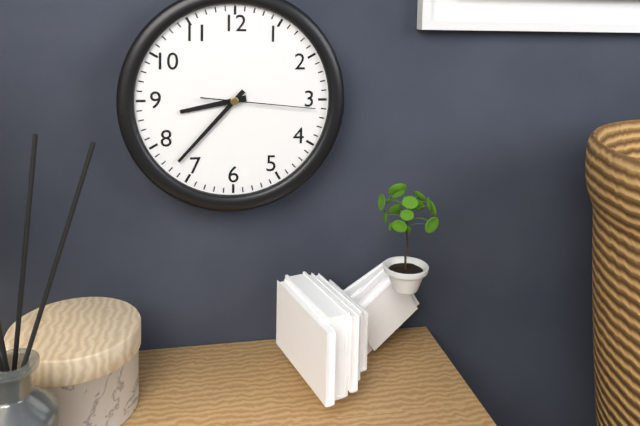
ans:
**8:37:16**
